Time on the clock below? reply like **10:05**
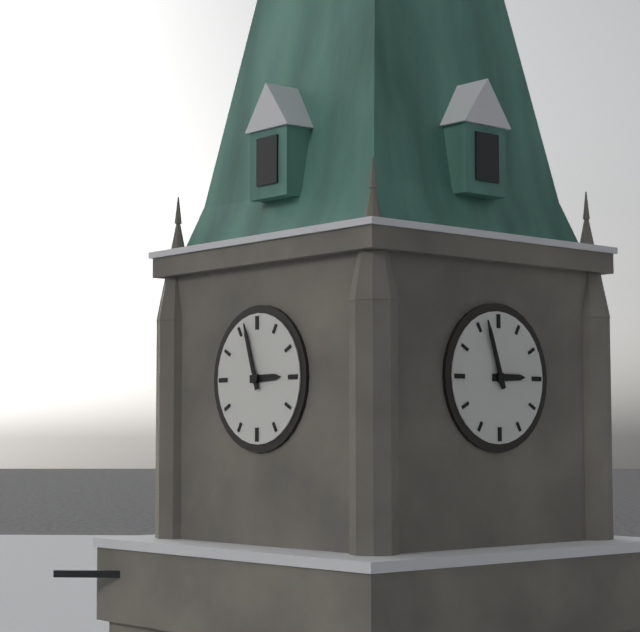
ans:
**2:57**
